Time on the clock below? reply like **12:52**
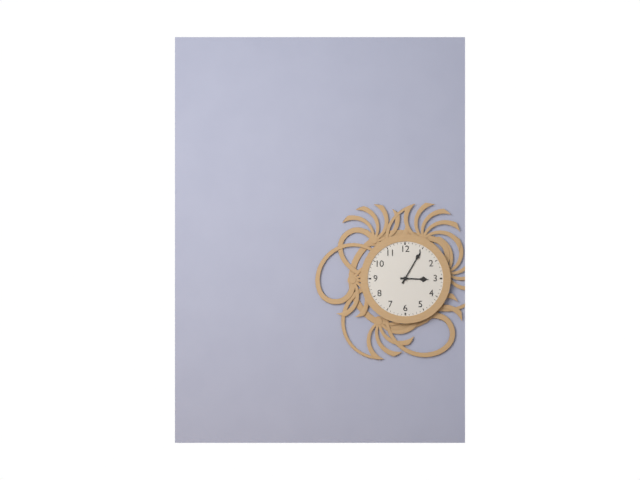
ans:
**3:05**
